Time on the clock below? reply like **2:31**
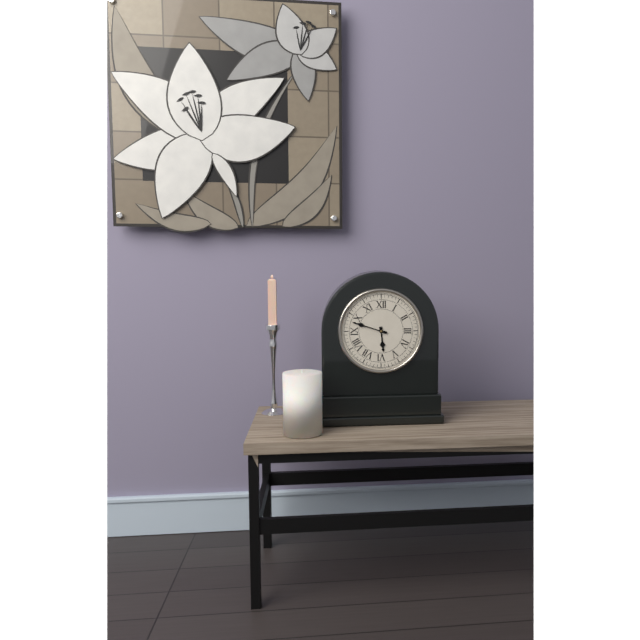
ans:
**5:48**
